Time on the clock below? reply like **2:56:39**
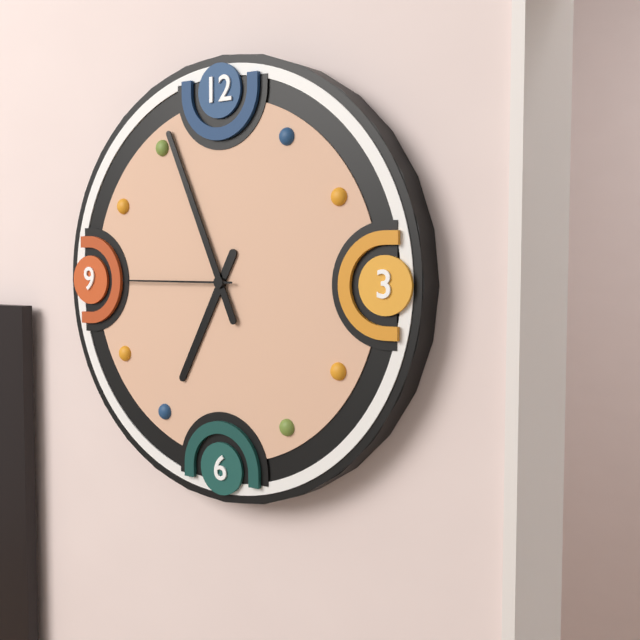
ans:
**6:56:45**
